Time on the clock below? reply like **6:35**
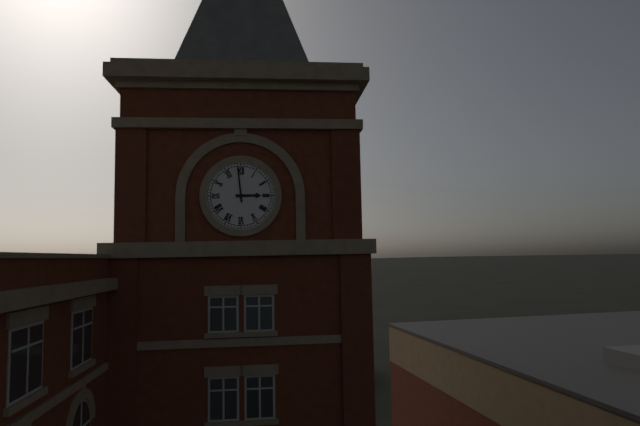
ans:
**2:59**
